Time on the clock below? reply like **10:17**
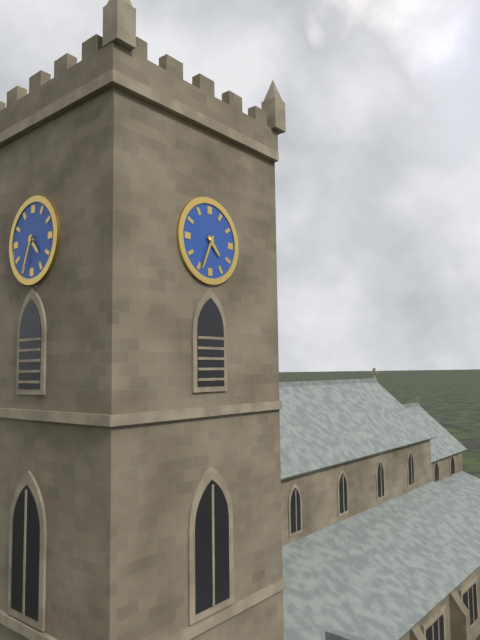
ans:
**4:34**
